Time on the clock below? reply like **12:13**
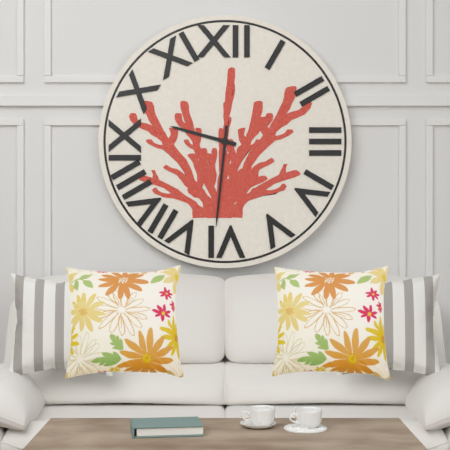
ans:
**9:31**
